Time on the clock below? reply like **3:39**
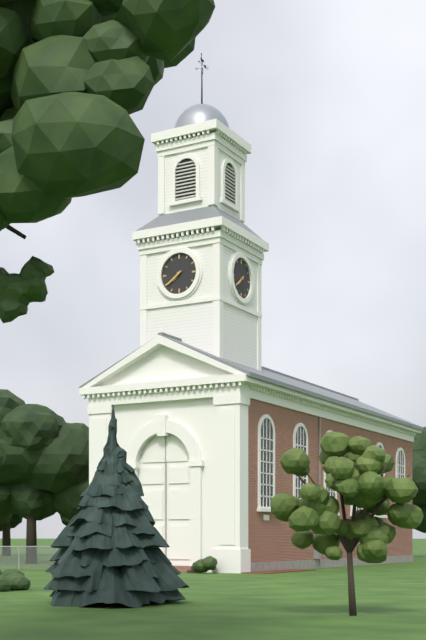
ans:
**7:39**
